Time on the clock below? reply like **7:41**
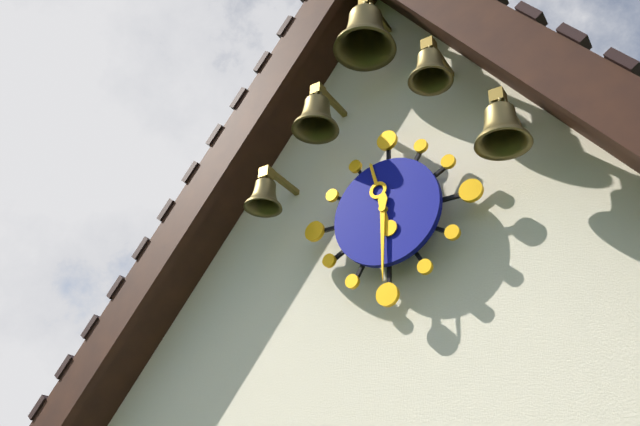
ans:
**11:30**
